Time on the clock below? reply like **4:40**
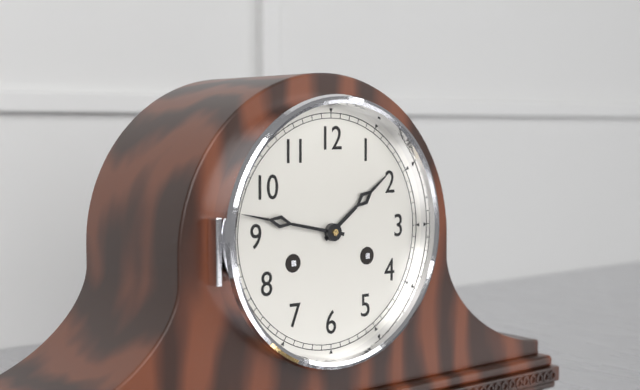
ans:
**1:47**
